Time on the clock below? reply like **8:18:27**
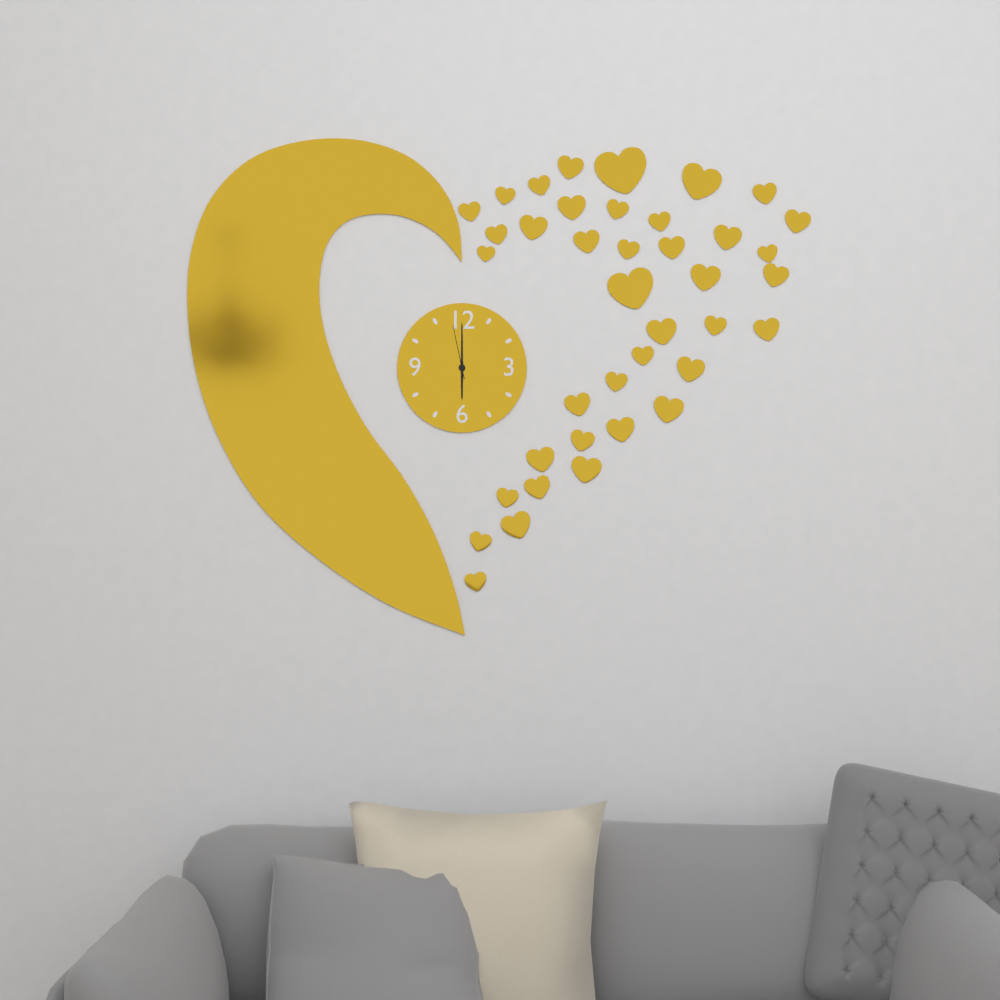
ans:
**6:00:58**
